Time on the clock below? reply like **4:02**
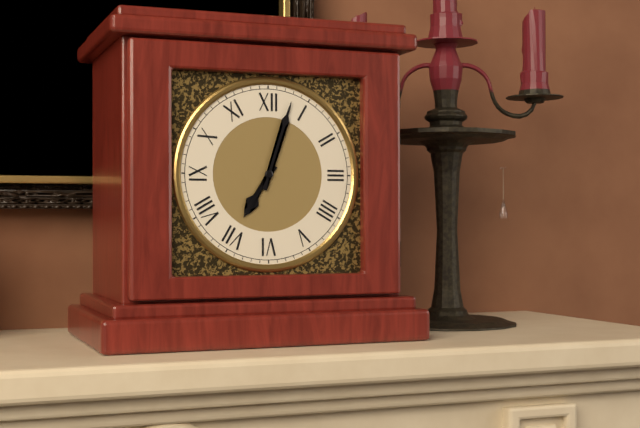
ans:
**7:03**
